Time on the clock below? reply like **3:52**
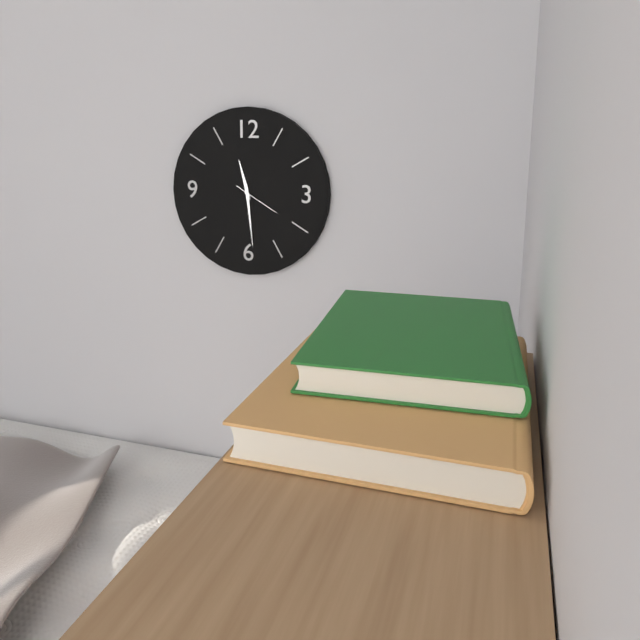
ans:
**11:29**
